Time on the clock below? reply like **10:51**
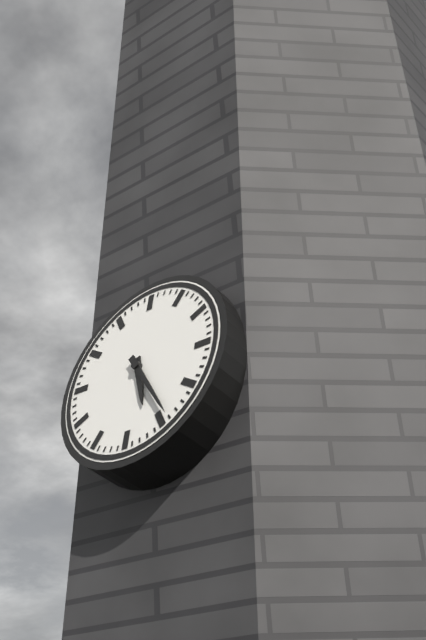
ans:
**5:24**
